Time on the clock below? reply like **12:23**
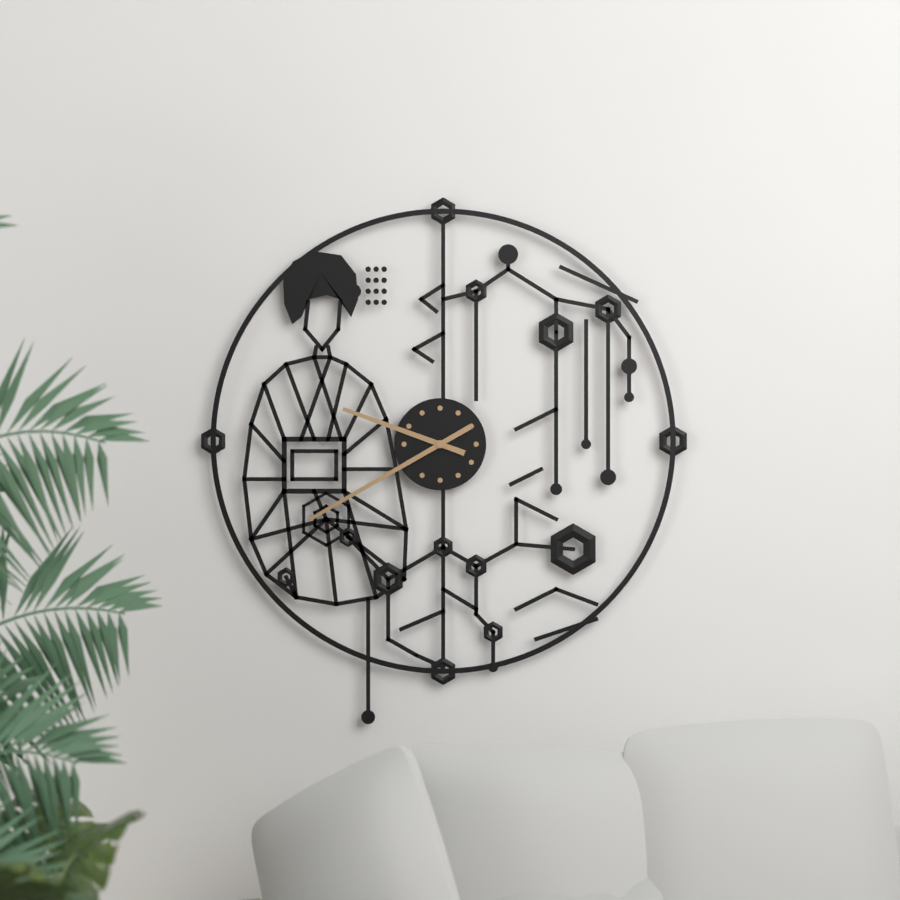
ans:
**9:40**
